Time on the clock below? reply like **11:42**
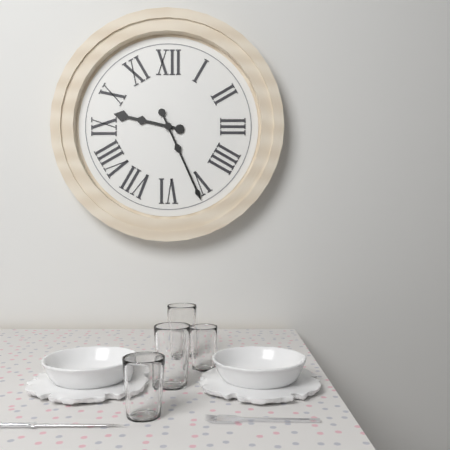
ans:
**9:26**
